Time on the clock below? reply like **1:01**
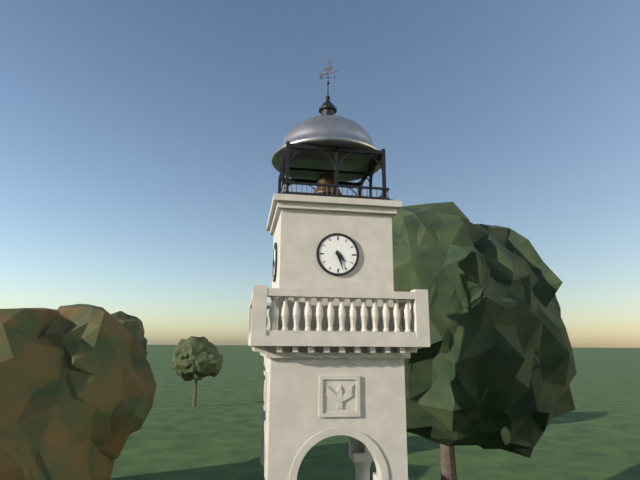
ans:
**4:27**
